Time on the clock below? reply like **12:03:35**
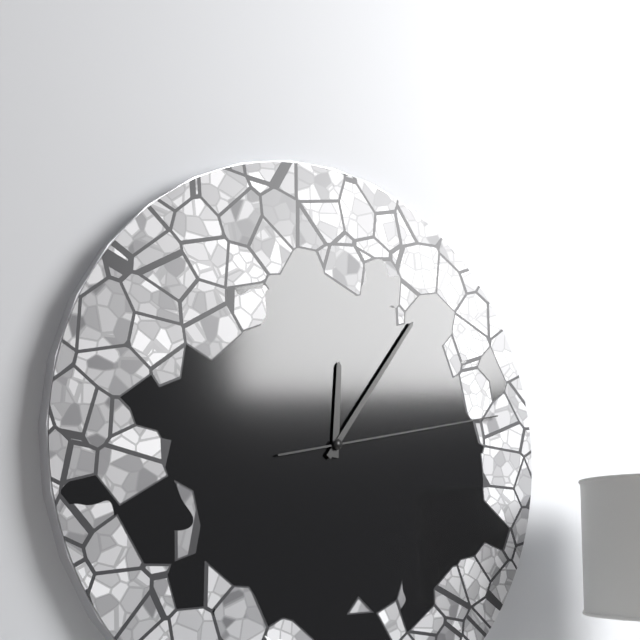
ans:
**12:06:13**
